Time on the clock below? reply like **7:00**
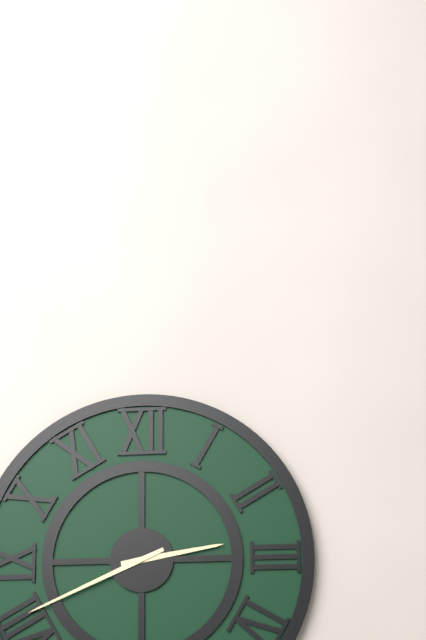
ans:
**2:41**
